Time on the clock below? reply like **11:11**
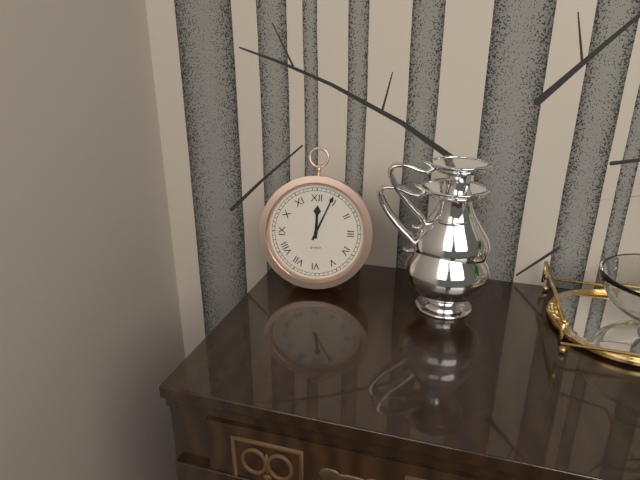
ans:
**12:04**
